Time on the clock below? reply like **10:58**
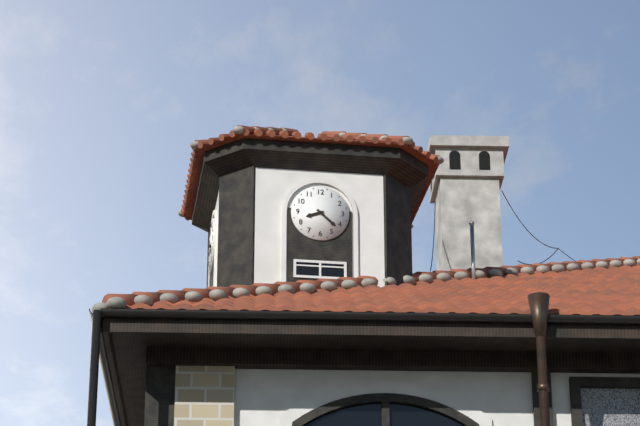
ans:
**8:22**
